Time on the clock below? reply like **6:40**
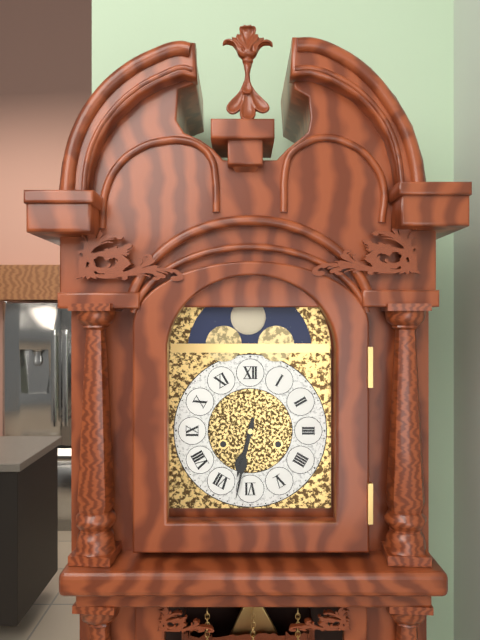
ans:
**6:32**
